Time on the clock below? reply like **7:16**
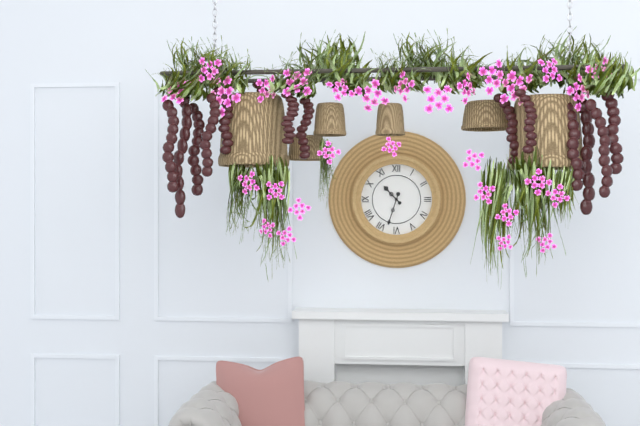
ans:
**10:33**
